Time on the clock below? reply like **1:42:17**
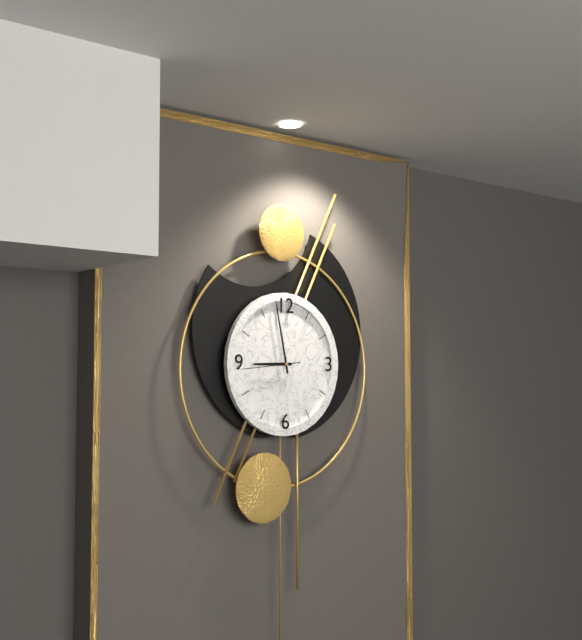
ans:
**8:58:44**
